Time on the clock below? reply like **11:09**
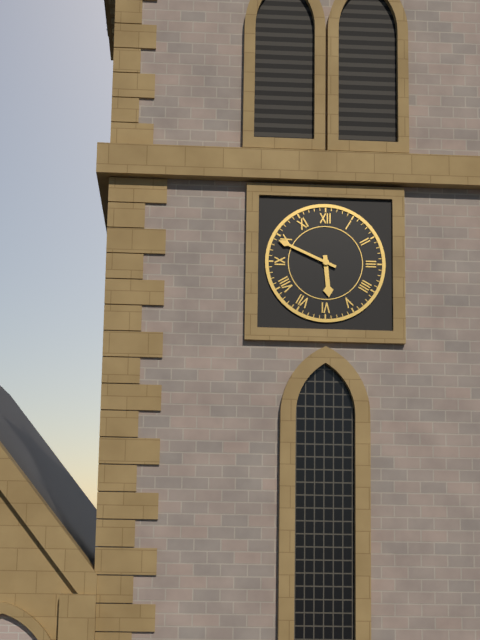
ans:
**5:49**
